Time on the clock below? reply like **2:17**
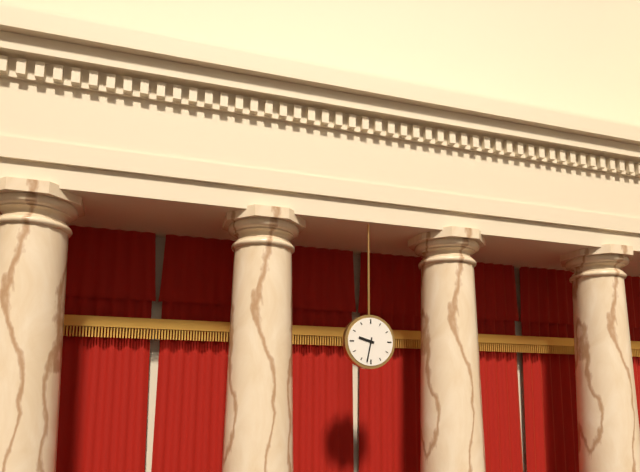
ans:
**9:32**
